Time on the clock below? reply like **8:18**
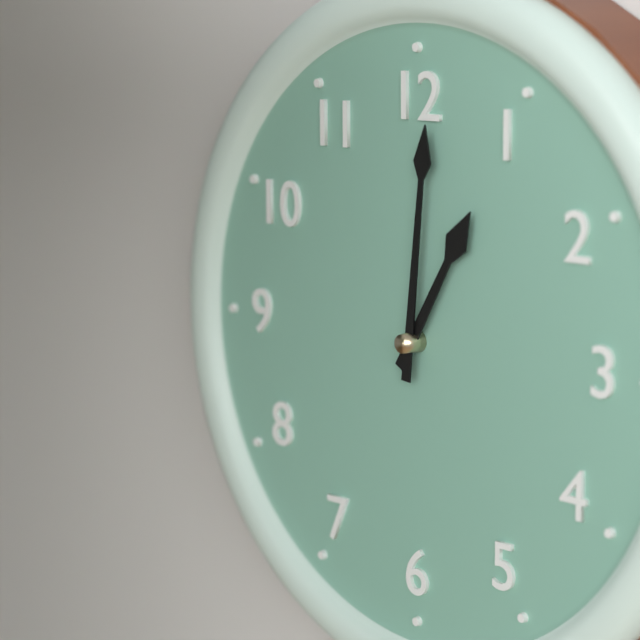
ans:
**1:01**
